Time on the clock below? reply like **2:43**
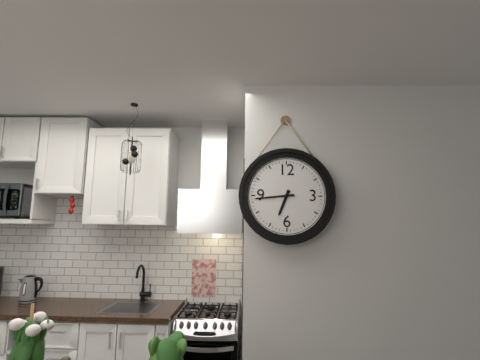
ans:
**6:44**
